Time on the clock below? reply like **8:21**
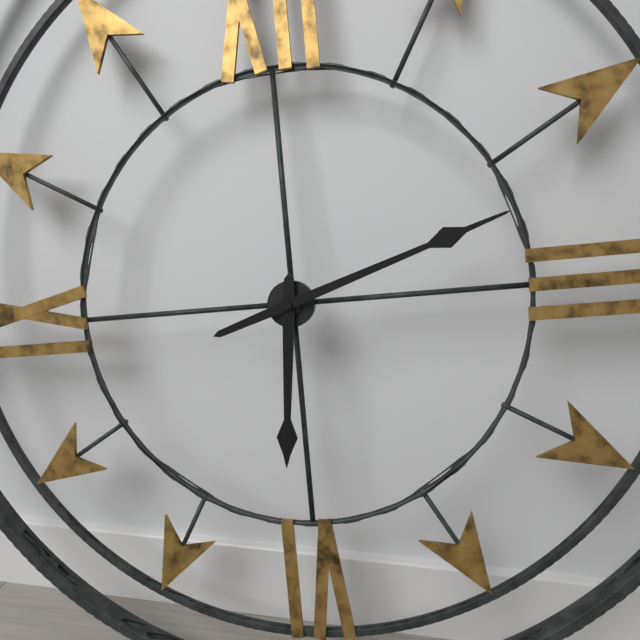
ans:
**6:12**
